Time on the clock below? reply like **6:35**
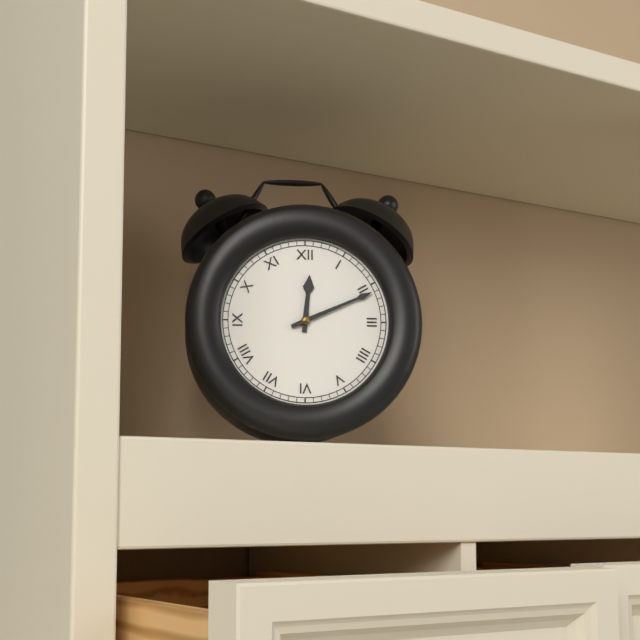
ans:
**12:11**
